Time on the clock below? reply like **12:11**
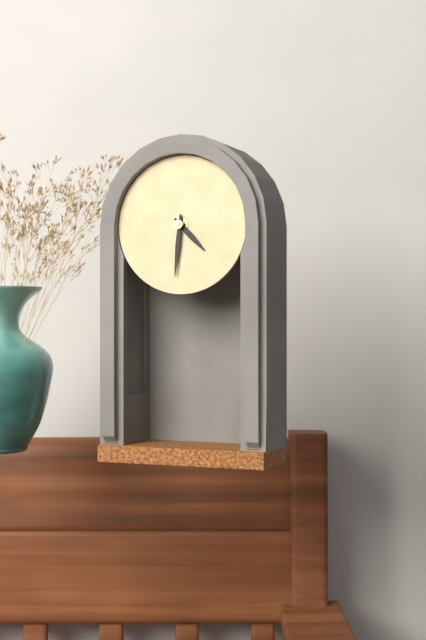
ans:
**4:31**
